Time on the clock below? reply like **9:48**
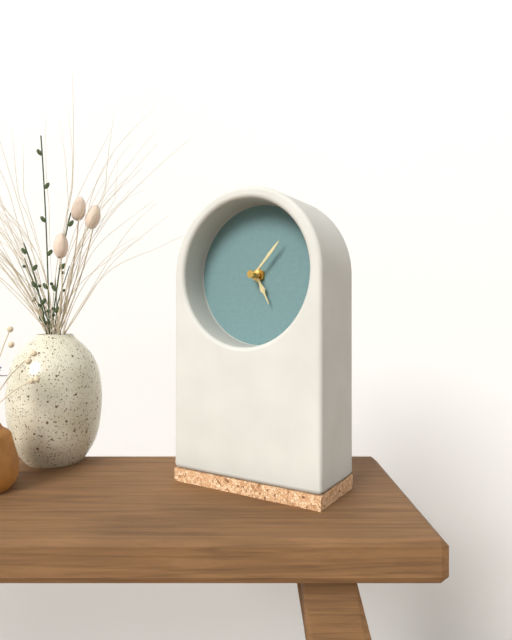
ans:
**5:07**
